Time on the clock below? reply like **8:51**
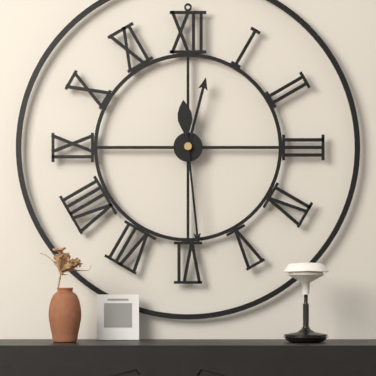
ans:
**12:29**
